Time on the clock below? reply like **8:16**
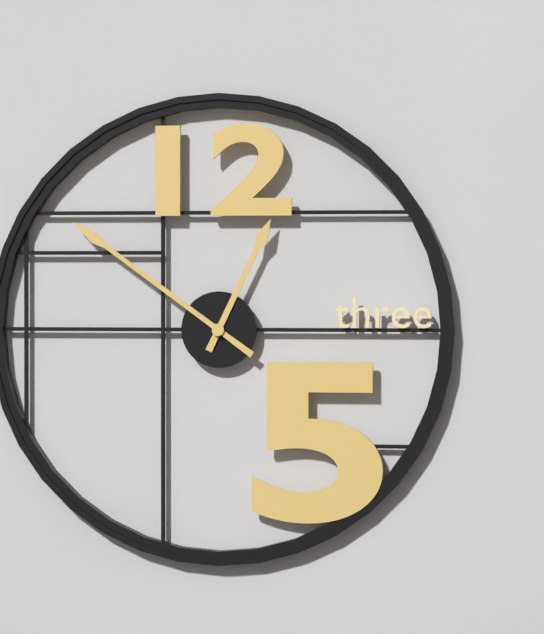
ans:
**12:51**
